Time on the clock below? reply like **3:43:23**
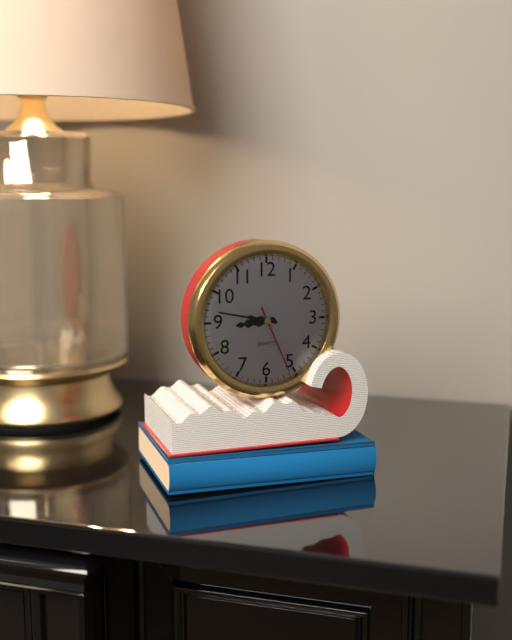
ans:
**8:47:26**
